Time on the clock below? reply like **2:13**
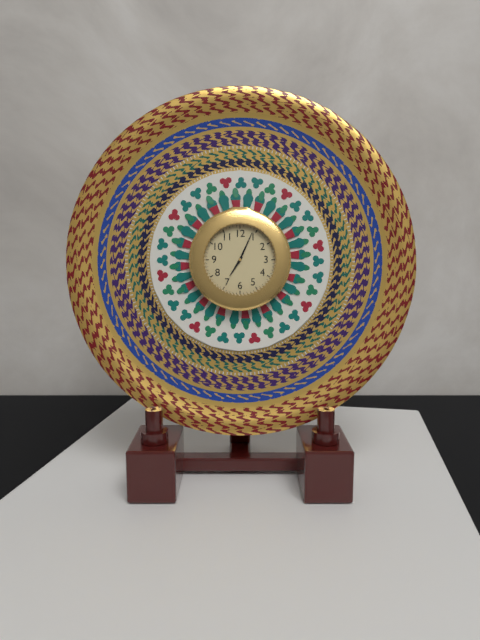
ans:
**7:04**
